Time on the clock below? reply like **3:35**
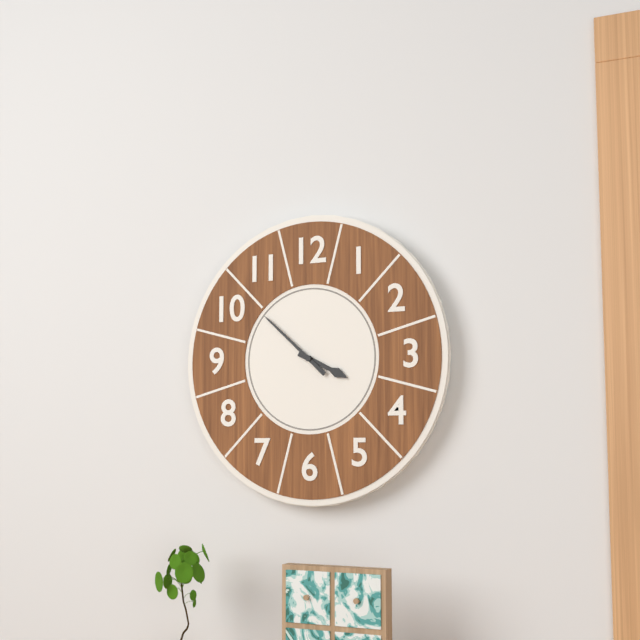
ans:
**3:52**
